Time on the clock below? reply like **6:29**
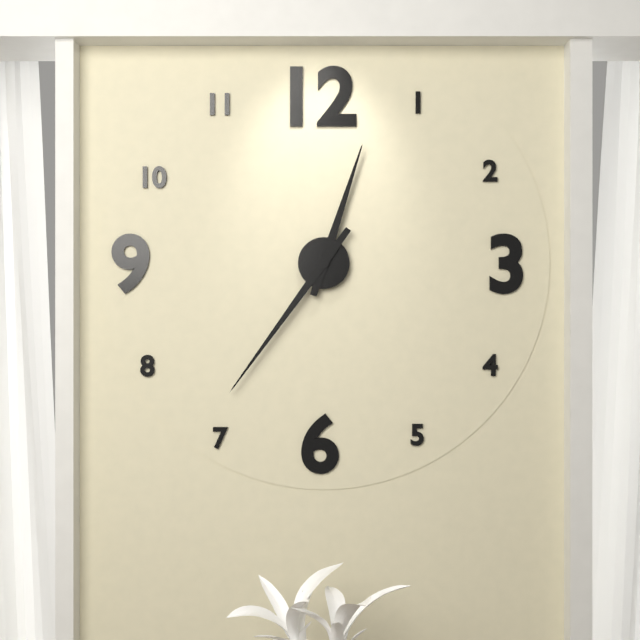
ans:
**12:36**
